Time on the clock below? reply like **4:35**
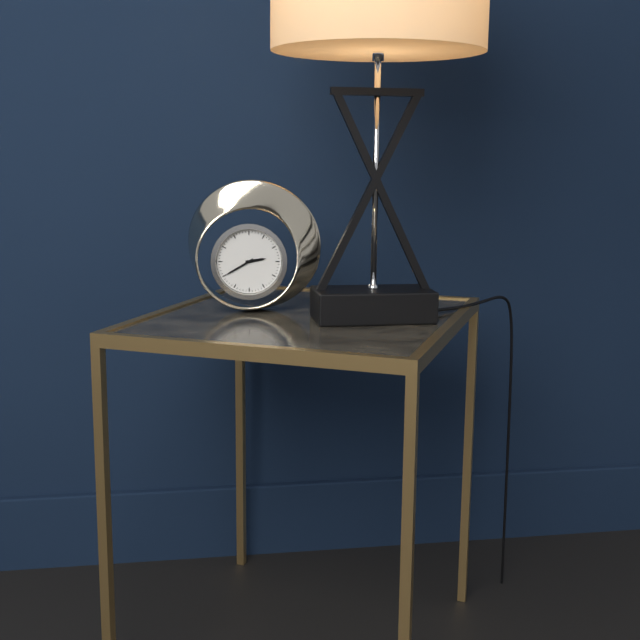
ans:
**2:40**
